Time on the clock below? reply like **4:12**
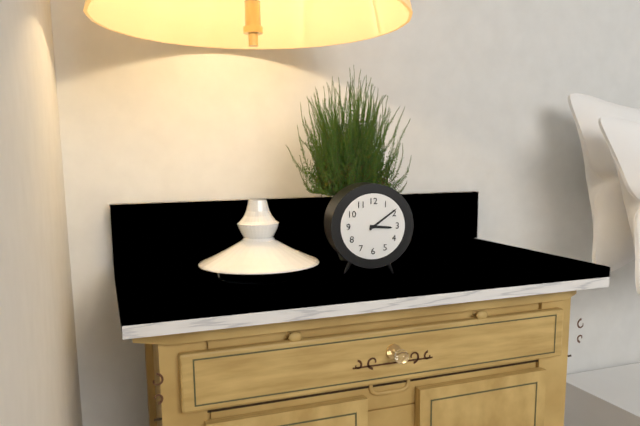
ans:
**3:09**
